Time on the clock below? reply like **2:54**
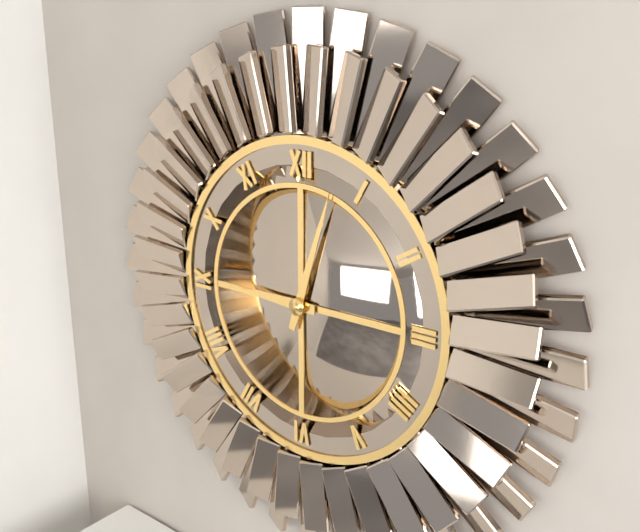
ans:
**9:03**
